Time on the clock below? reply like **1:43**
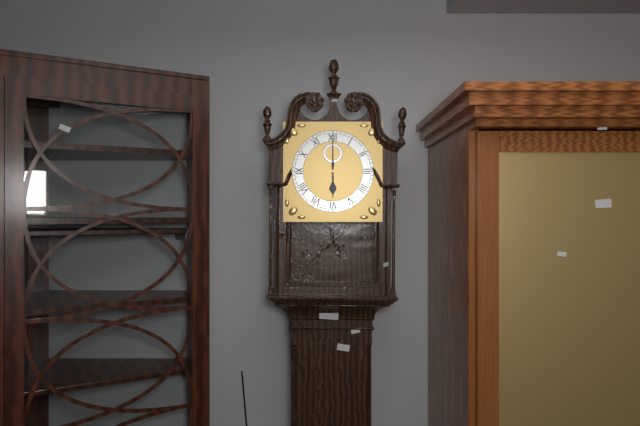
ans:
**6:00**
